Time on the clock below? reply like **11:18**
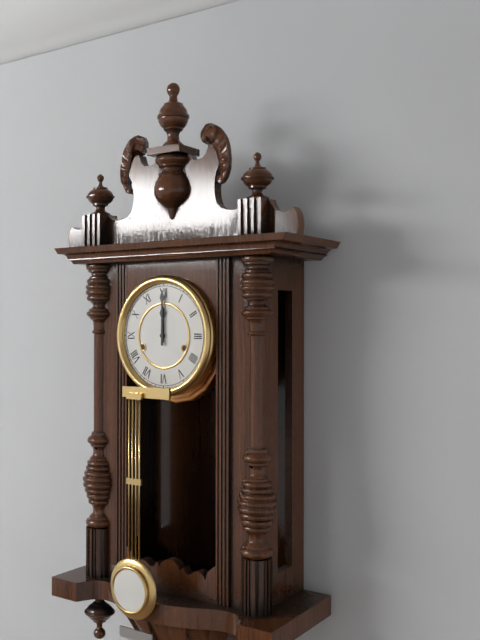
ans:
**12:00**
